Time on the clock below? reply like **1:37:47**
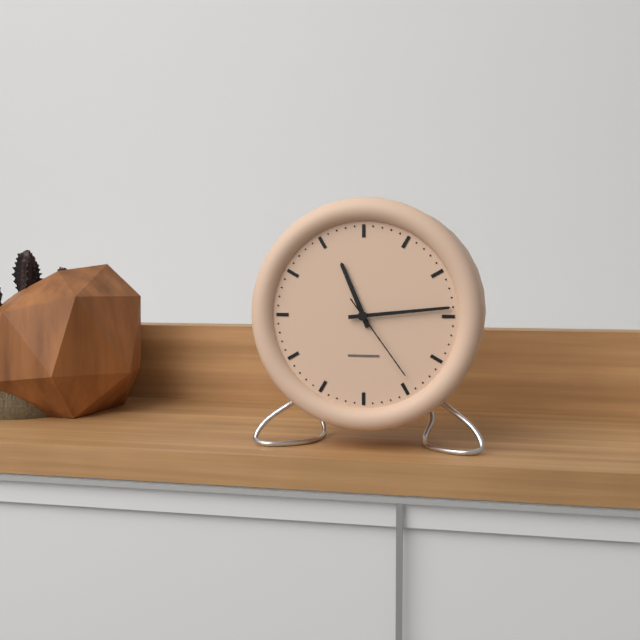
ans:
**11:14:24**
